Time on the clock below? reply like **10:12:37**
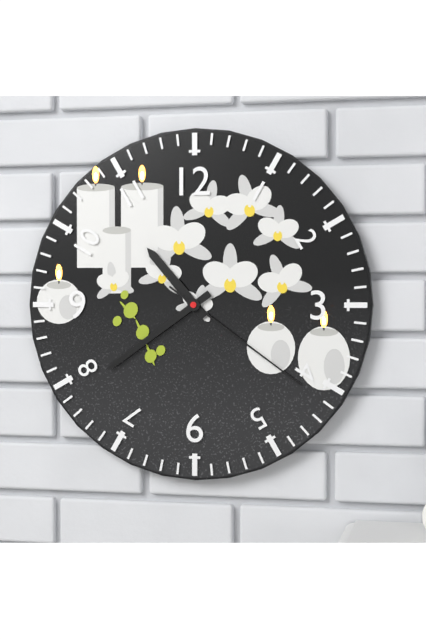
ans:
**10:39:21**
